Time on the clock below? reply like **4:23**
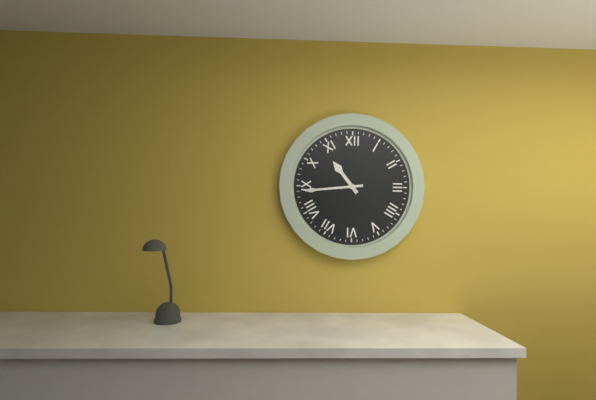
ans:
**10:44**
